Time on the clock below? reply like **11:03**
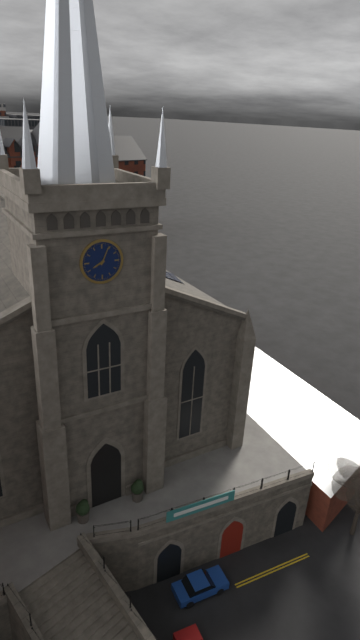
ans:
**8:04**
